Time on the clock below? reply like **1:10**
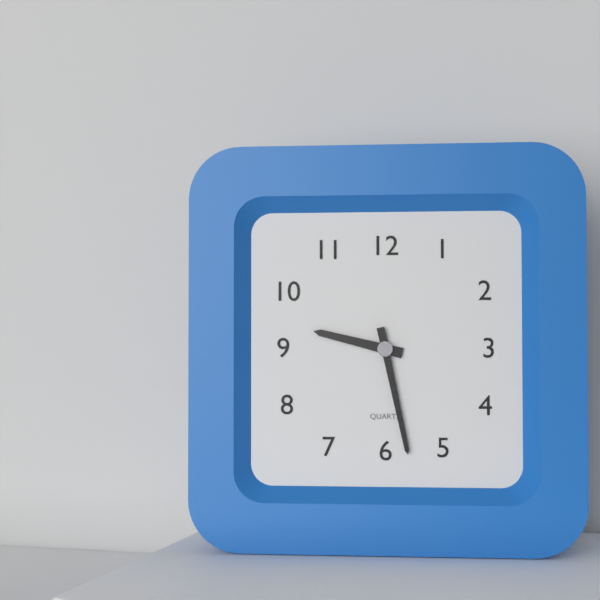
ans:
**9:28**
